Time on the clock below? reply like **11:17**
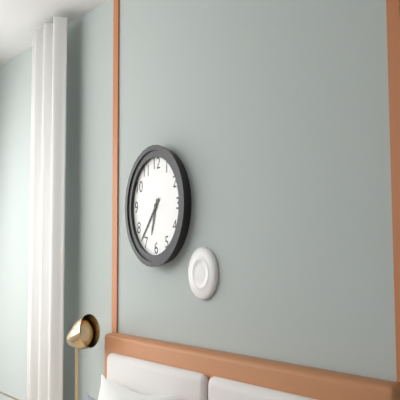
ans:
**6:37**
